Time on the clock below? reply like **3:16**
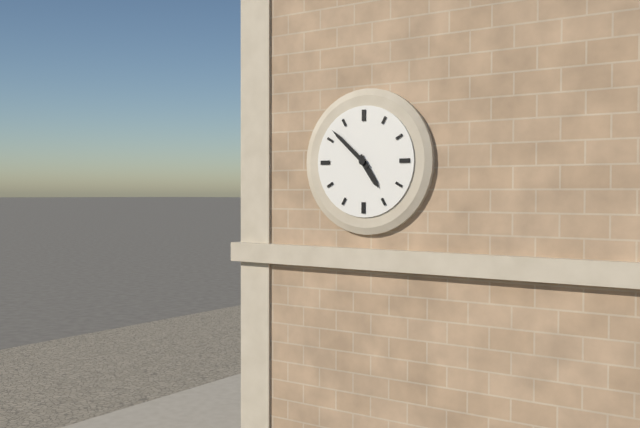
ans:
**4:52**
